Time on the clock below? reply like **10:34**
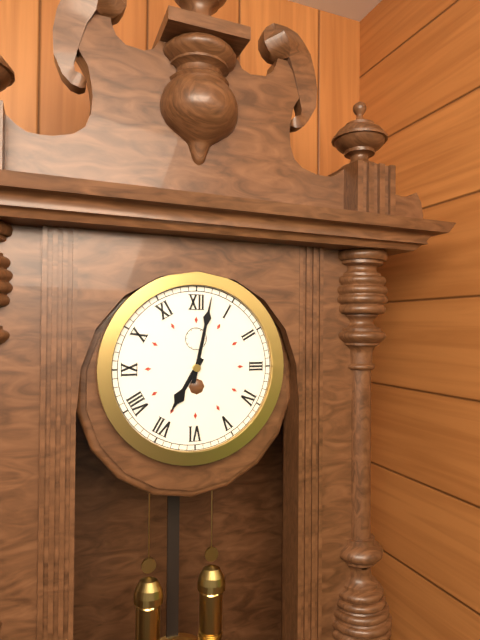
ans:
**7:02**
